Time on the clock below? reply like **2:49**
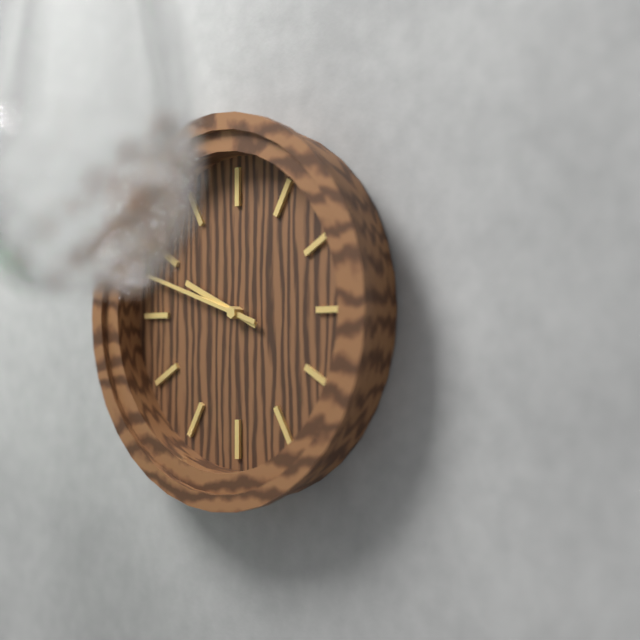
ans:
**9:48**
